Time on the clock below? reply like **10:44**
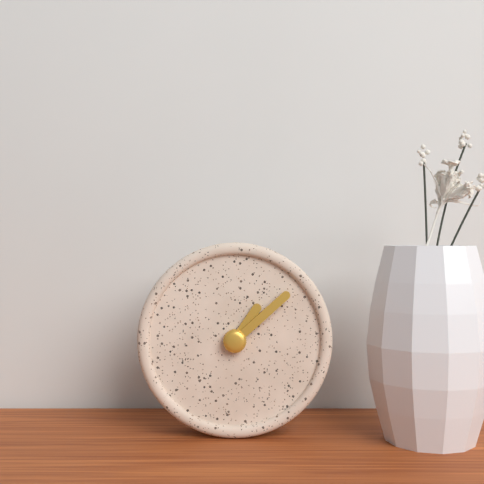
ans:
**1:08**
